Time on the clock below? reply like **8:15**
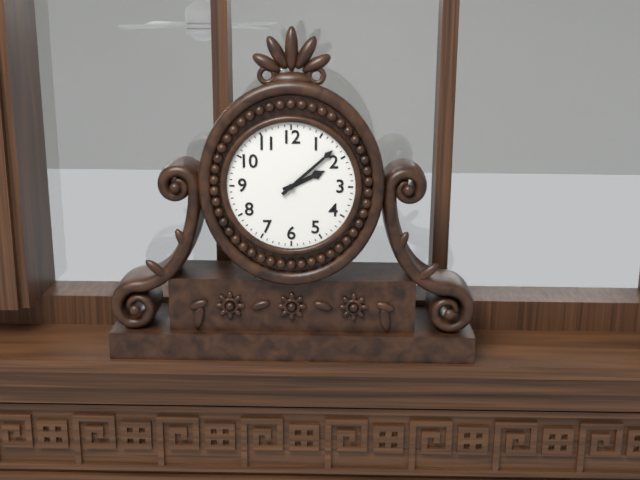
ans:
**2:08**
